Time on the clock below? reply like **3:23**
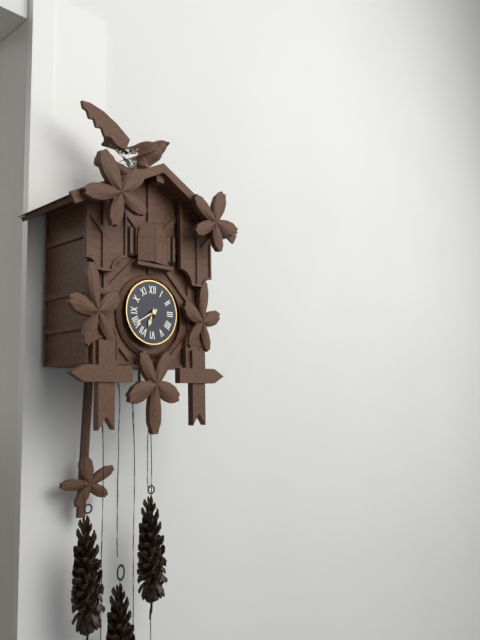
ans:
**6:40**
